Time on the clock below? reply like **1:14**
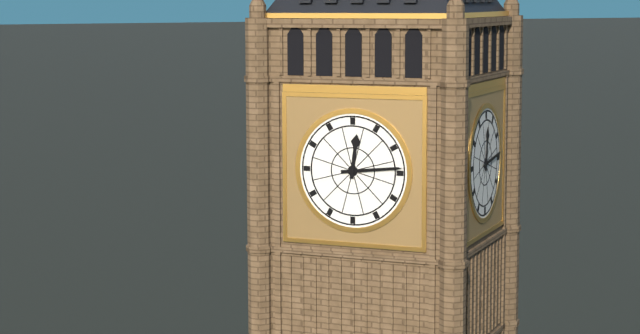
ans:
**12:14**
